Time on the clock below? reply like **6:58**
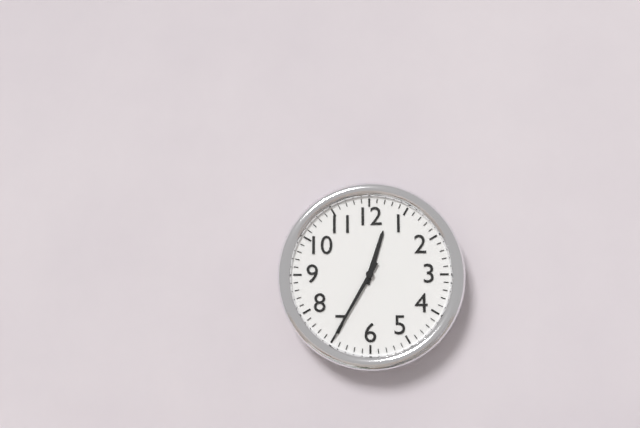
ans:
**12:35**
